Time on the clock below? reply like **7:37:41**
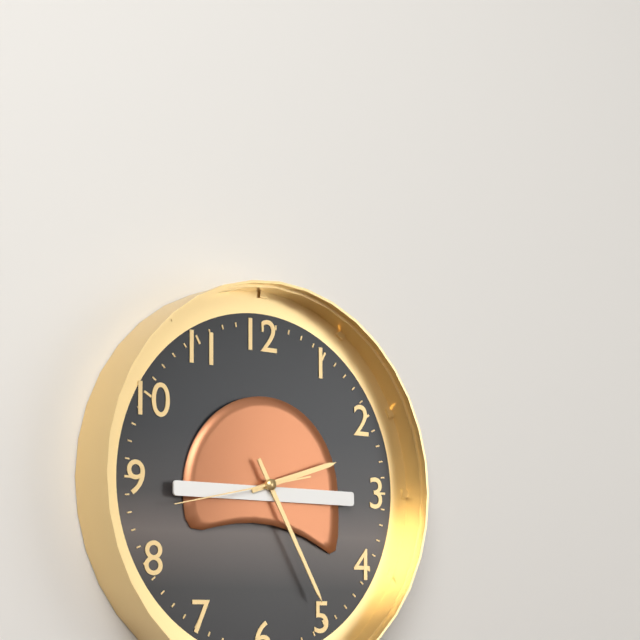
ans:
**2:25:43**
